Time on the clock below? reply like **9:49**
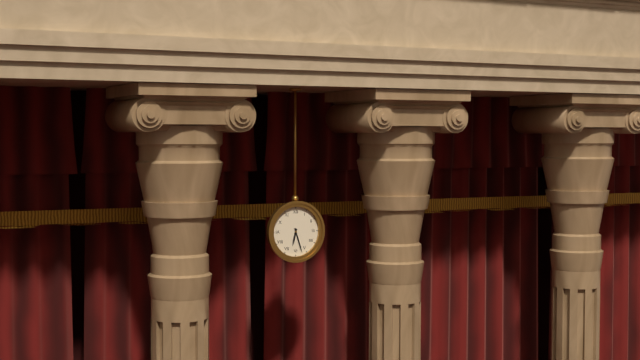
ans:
**6:27**
